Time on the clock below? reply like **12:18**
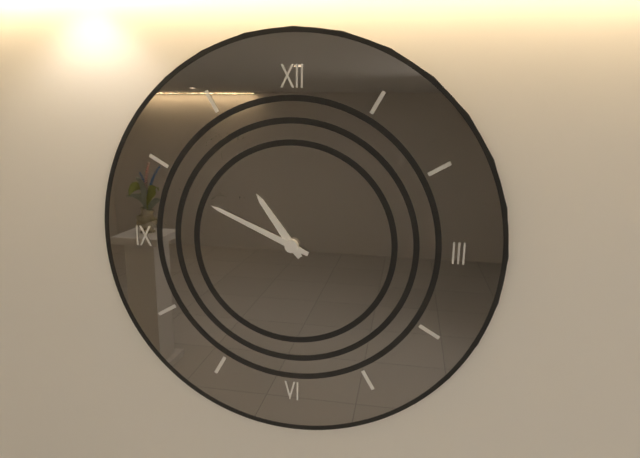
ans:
**10:49**
